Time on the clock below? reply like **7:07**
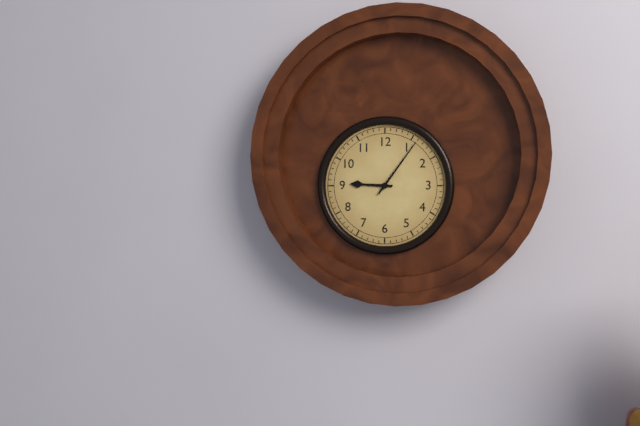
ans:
**9:06**
